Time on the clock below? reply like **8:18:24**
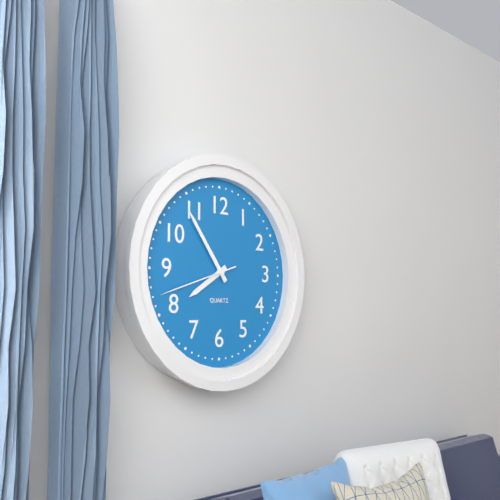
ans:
**7:54:42**
